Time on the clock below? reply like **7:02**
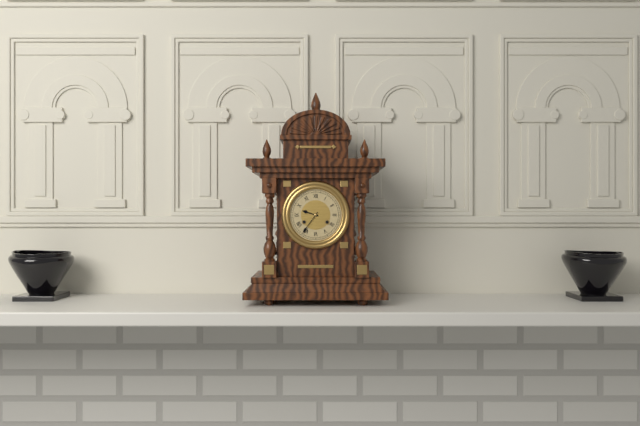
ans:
**9:36**
